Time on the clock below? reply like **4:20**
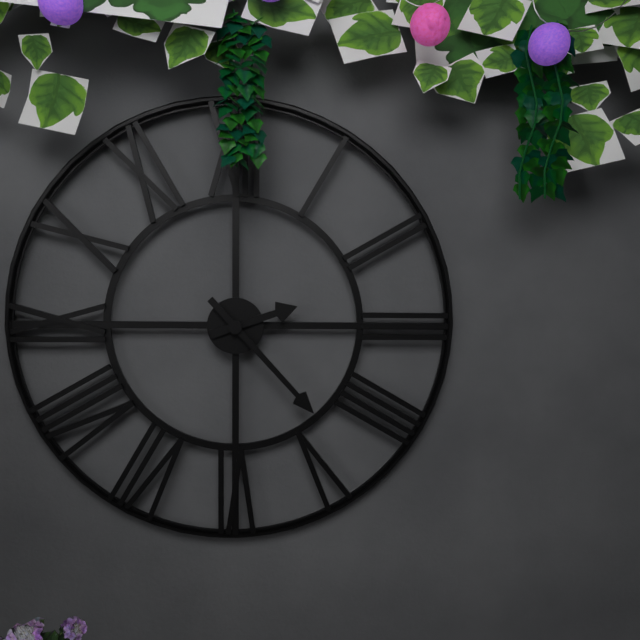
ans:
**2:23**
